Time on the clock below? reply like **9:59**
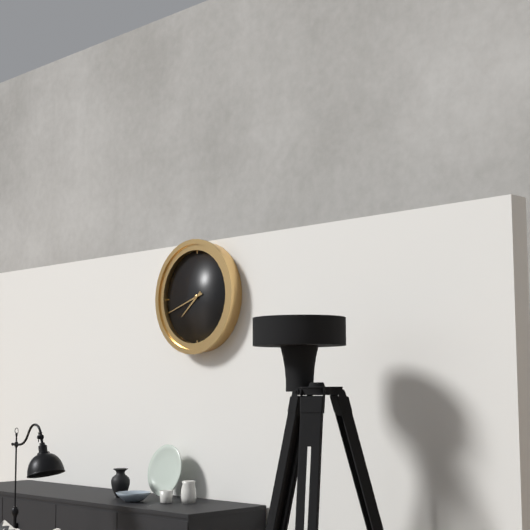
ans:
**7:42**
